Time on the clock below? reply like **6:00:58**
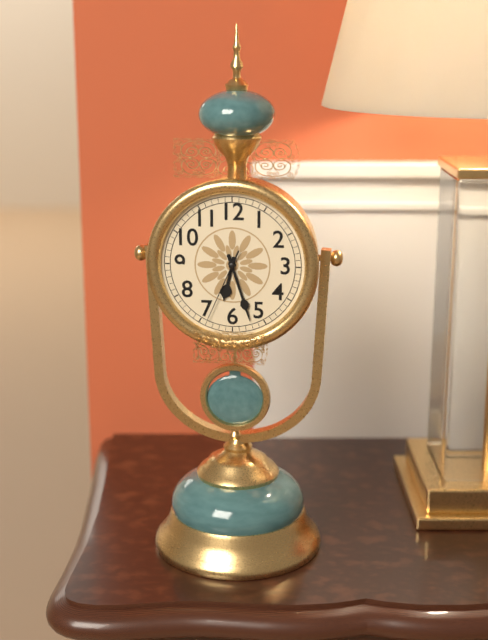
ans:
**6:27:34**
